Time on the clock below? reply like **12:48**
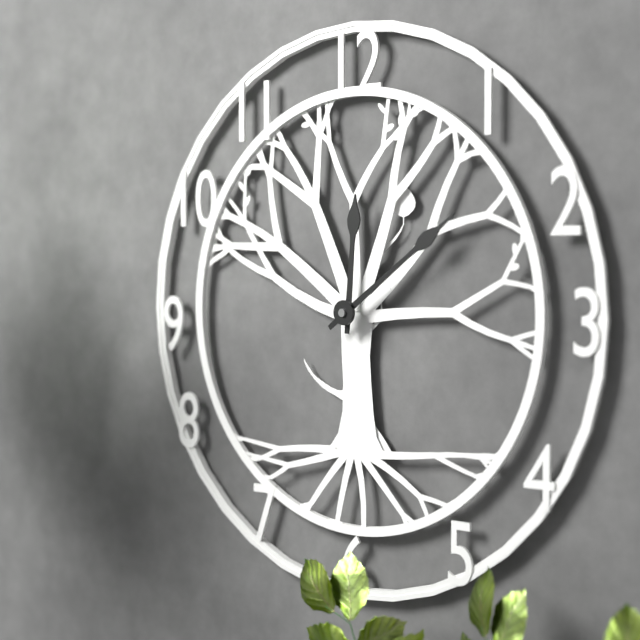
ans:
**12:09**
